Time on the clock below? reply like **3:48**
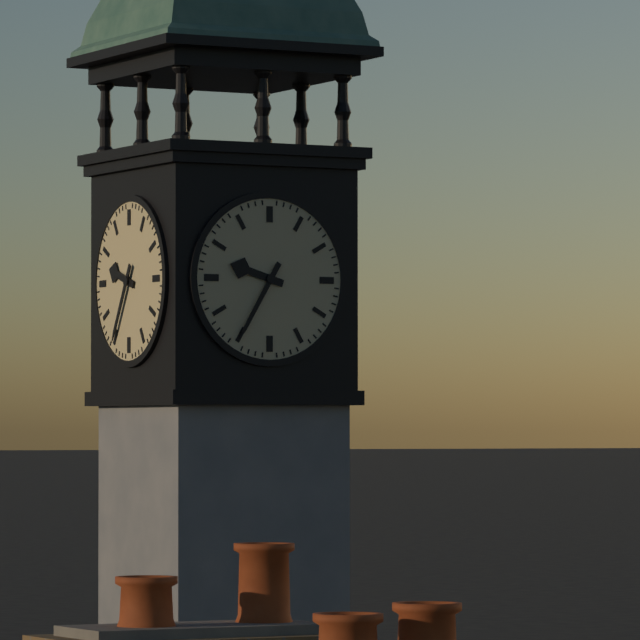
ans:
**9:35**
